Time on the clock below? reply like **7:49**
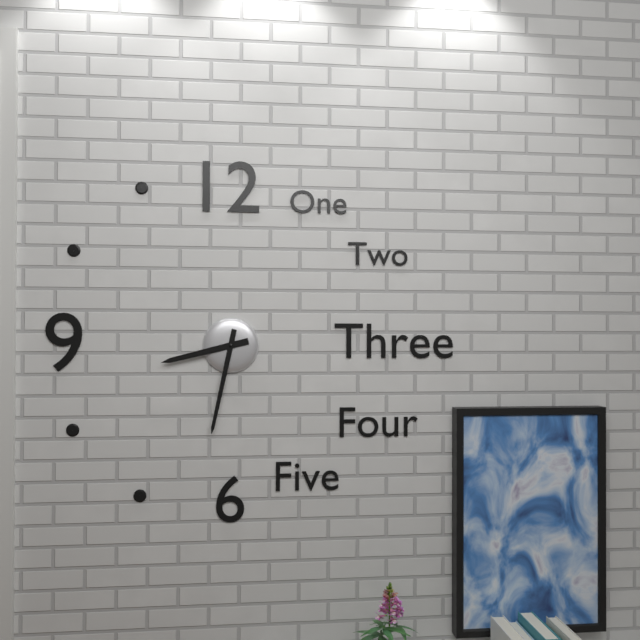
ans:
**8:32**
